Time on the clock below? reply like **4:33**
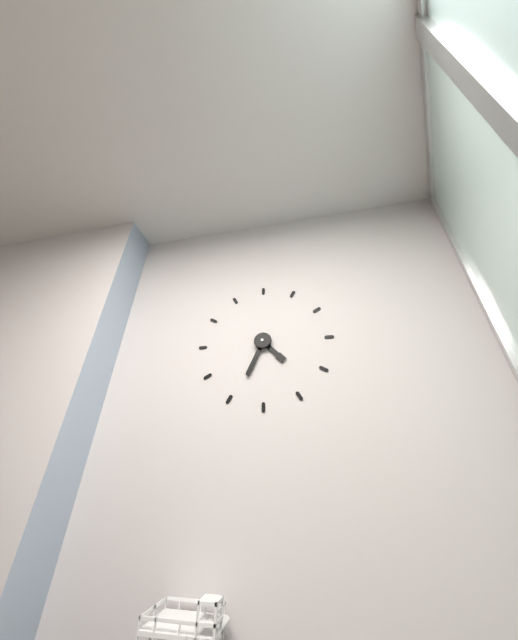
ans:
**4:34**
